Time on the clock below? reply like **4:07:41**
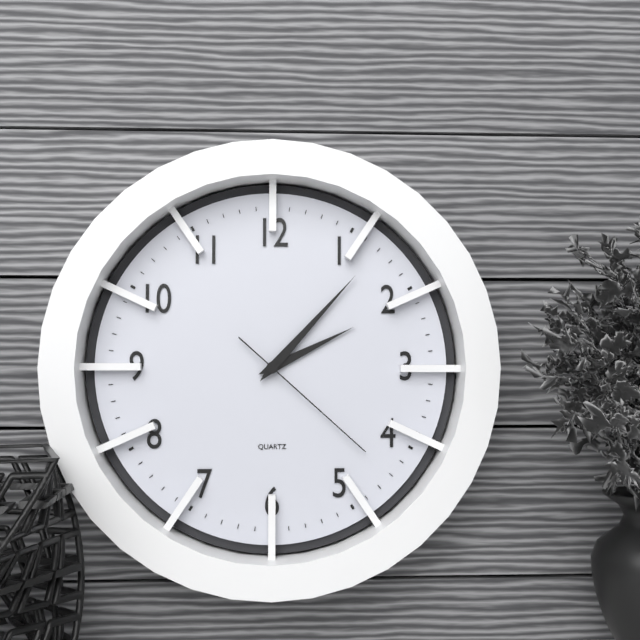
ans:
**2:07:22**
